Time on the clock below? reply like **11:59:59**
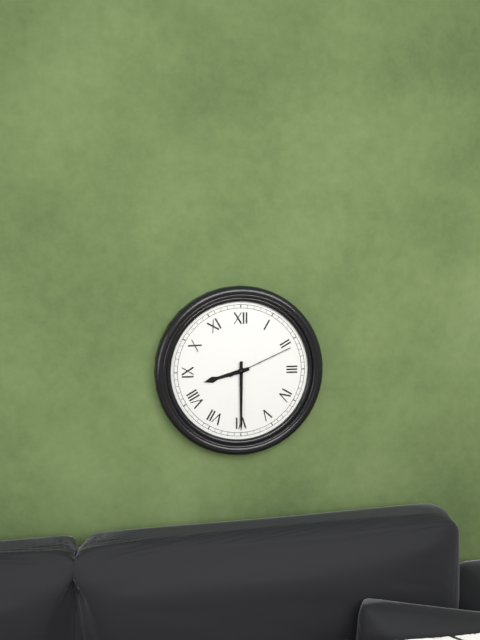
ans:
**8:30:11**
